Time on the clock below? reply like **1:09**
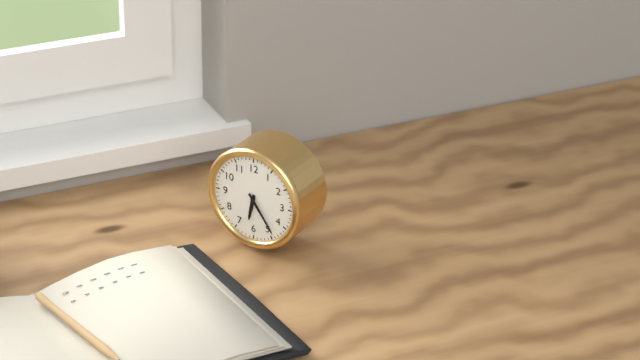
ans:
**6:24**
